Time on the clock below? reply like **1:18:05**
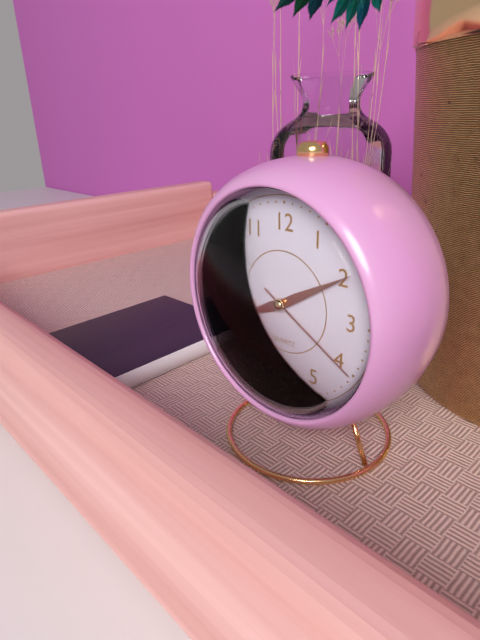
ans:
**8:10:20**
